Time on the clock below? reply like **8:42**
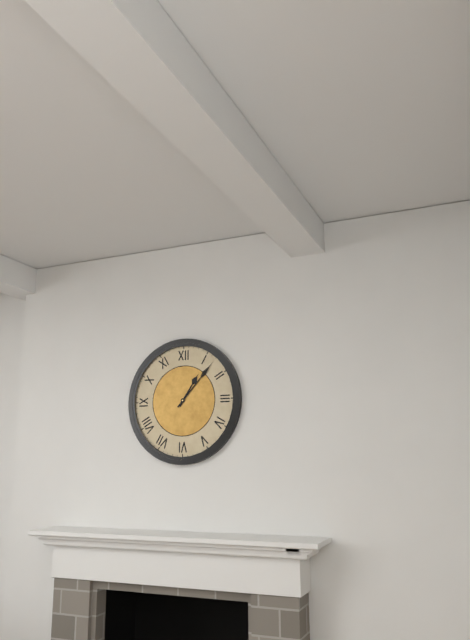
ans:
**1:07**
